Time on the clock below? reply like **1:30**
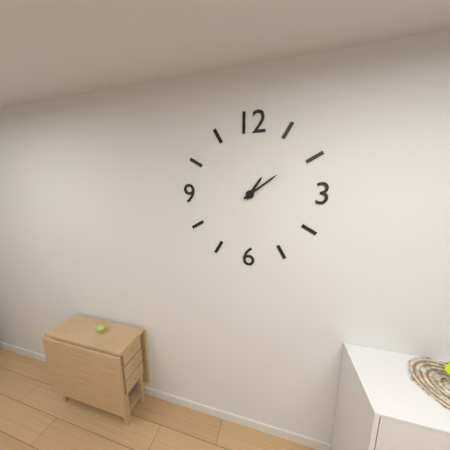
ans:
**1:09**
